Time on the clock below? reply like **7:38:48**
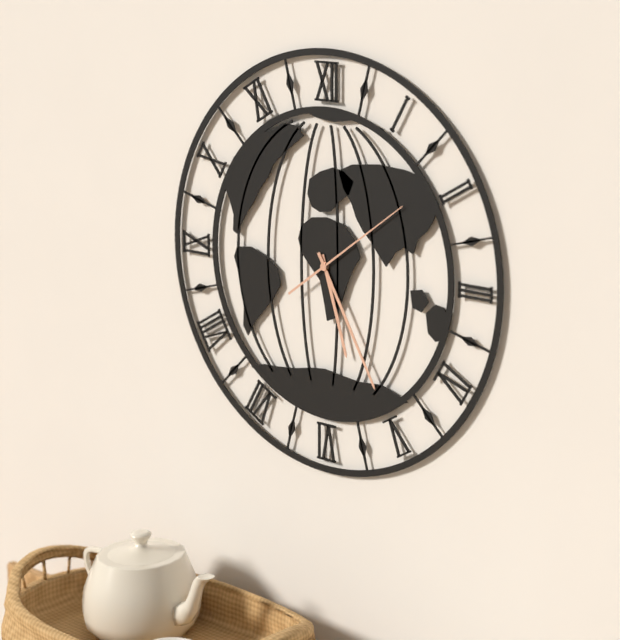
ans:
**5:25:09**
